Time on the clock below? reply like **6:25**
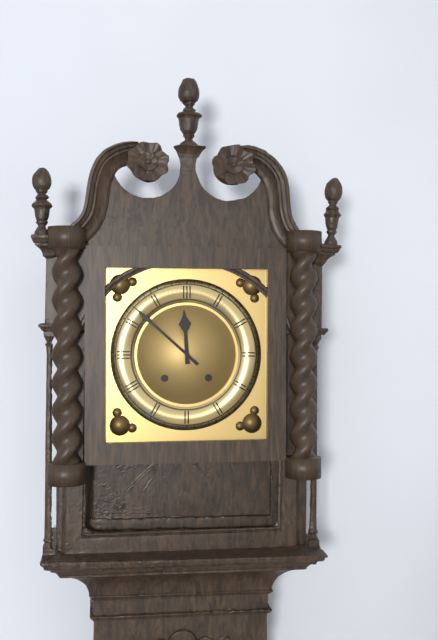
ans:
**11:52**
